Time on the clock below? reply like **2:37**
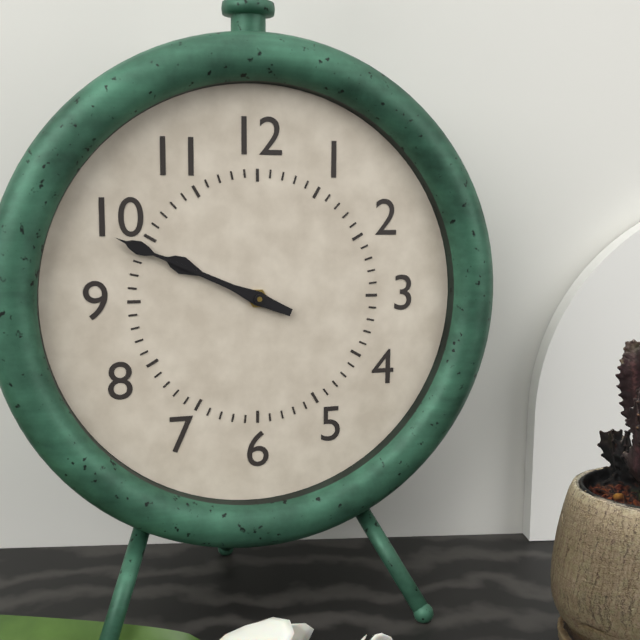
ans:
**9:49**
